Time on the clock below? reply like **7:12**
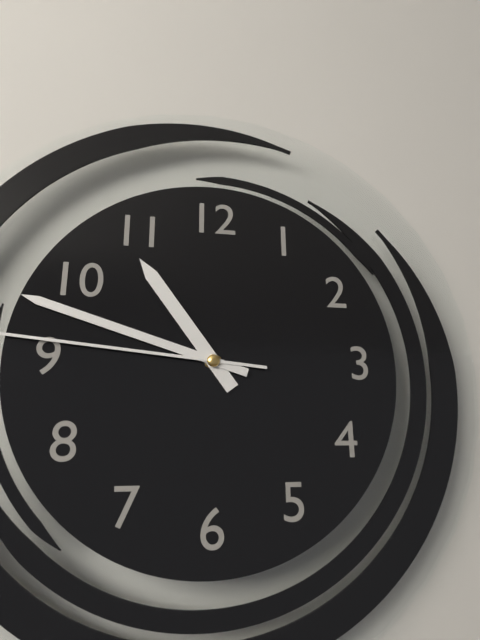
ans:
**10:48**
